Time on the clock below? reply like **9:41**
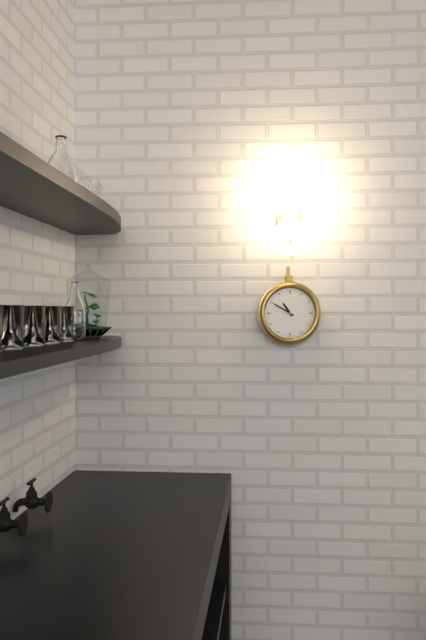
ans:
**10:50**
